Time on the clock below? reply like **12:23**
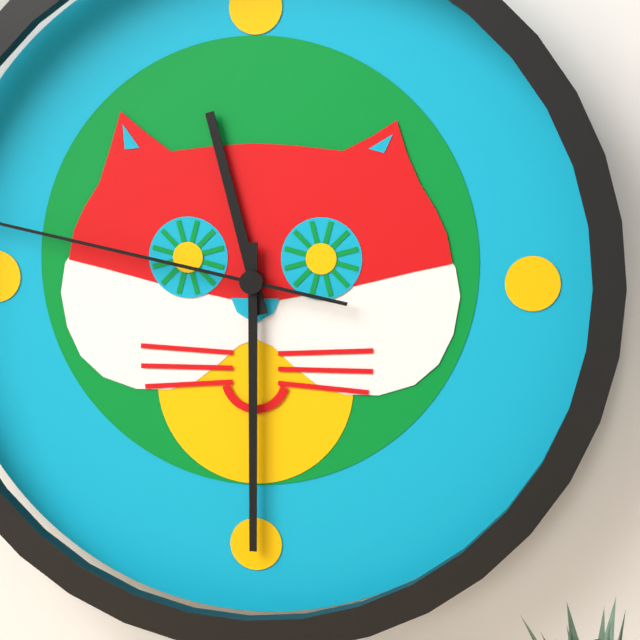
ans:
**11:30**
